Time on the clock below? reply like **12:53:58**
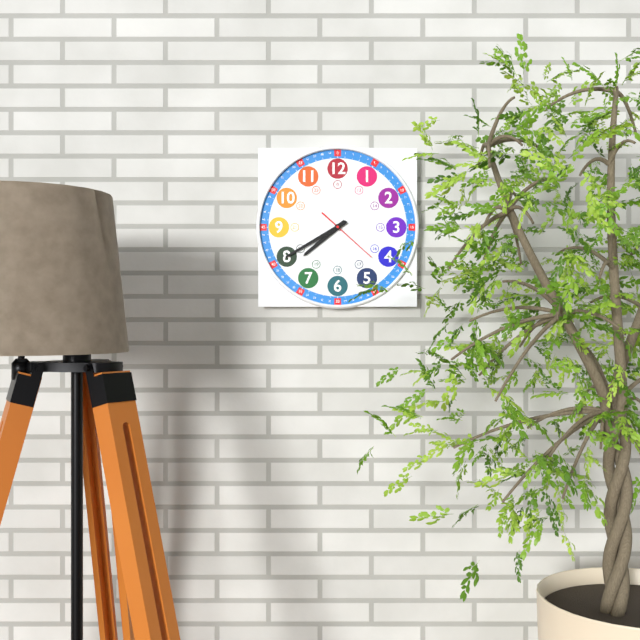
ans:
**7:40:22**
